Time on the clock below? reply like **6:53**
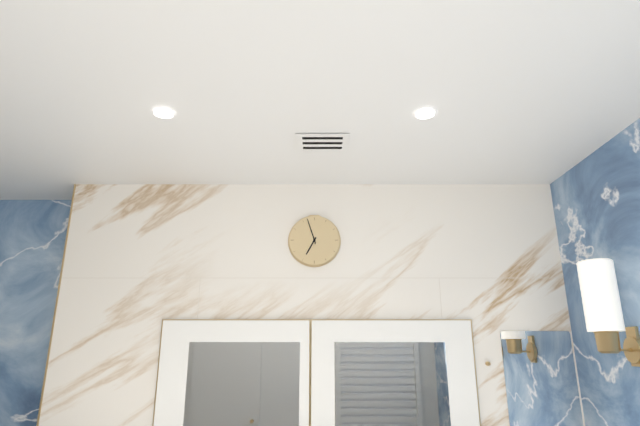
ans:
**6:57**
